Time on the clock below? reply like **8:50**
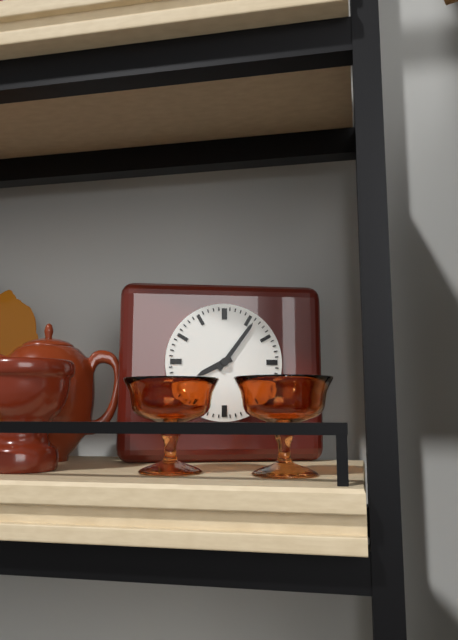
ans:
**8:06**
